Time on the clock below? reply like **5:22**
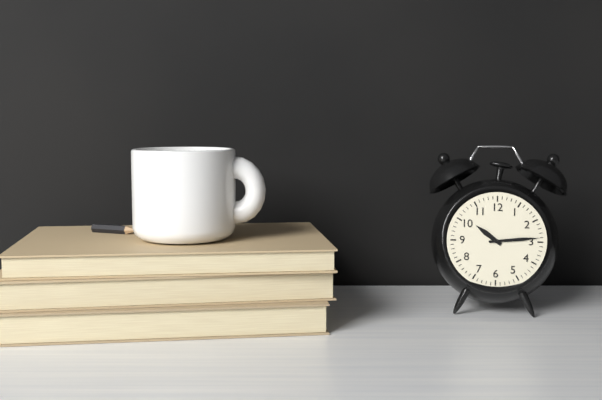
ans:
**10:14**
